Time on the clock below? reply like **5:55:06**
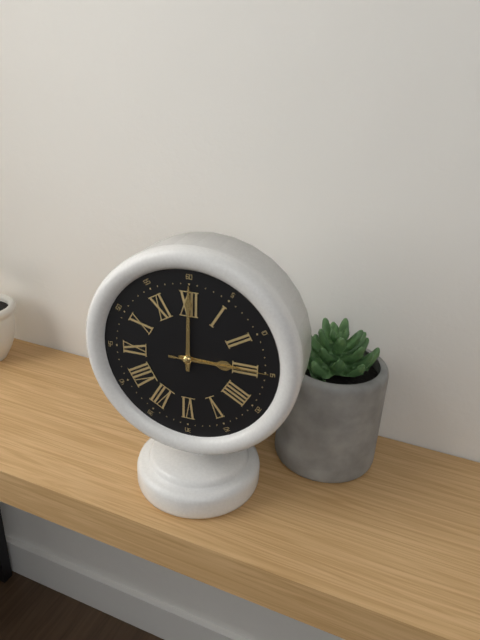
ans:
**3:00:15**
